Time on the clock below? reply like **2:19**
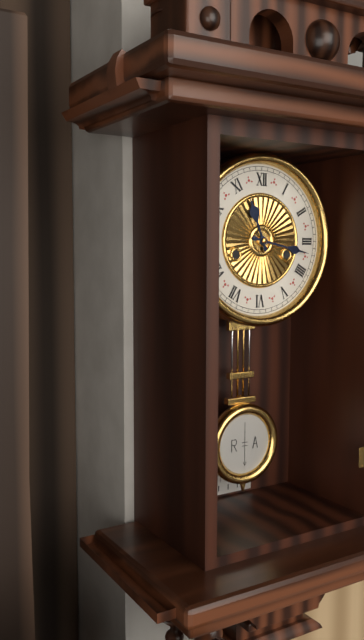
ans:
**11:17**
